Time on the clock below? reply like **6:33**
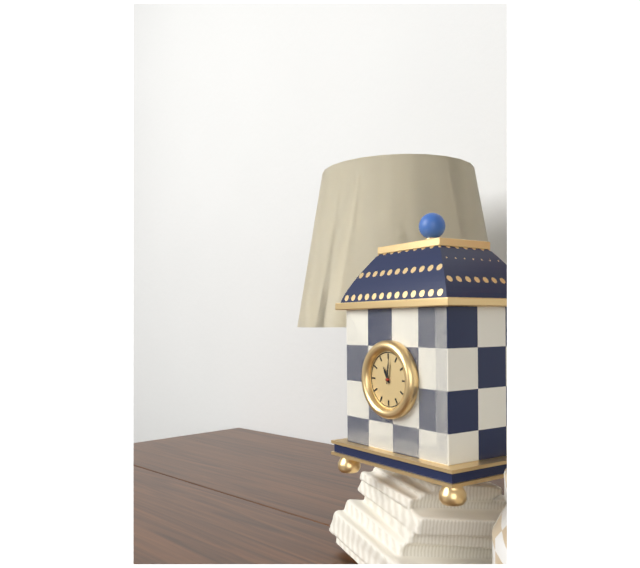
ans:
**11:01**
